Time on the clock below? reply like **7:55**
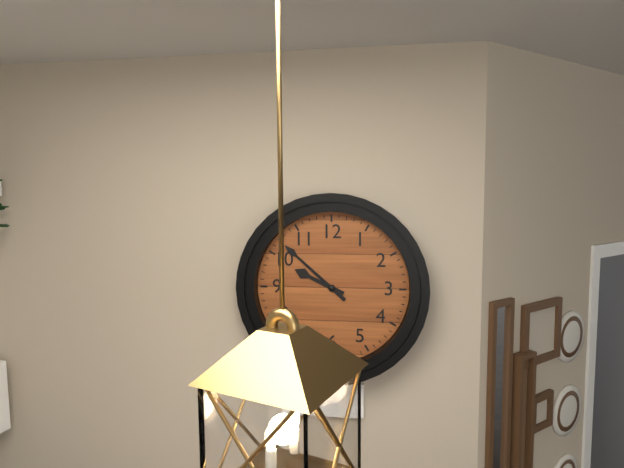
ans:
**9:52**
